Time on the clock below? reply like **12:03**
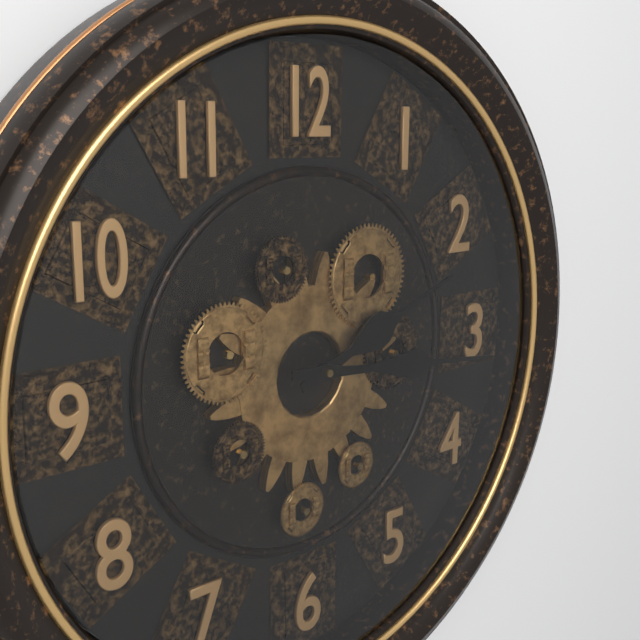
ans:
**2:16**
